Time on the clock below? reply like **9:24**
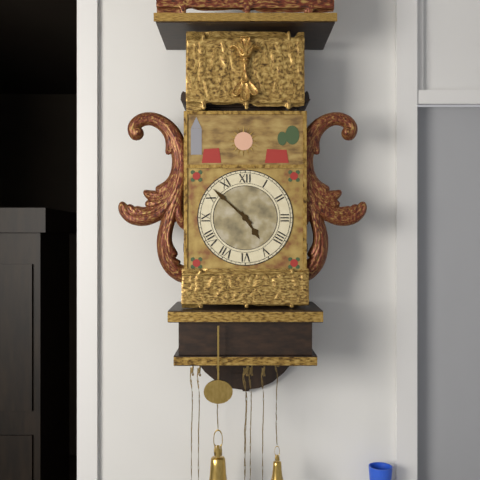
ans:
**4:52**
